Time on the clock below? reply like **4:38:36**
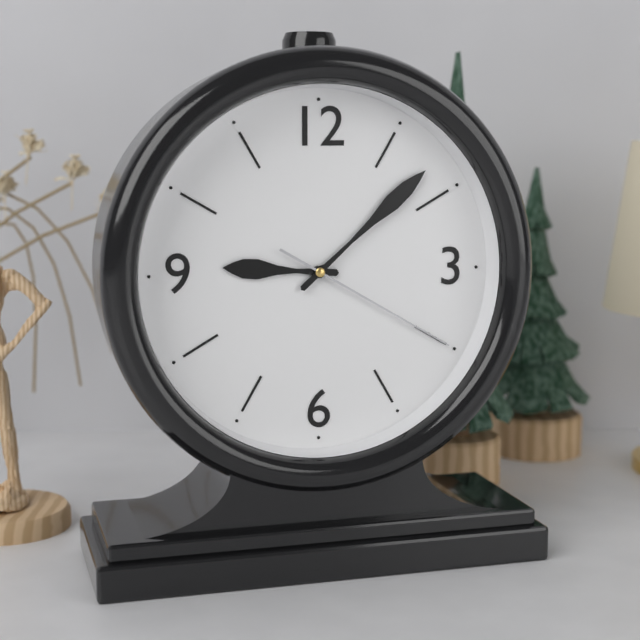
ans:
**9:08:20**
